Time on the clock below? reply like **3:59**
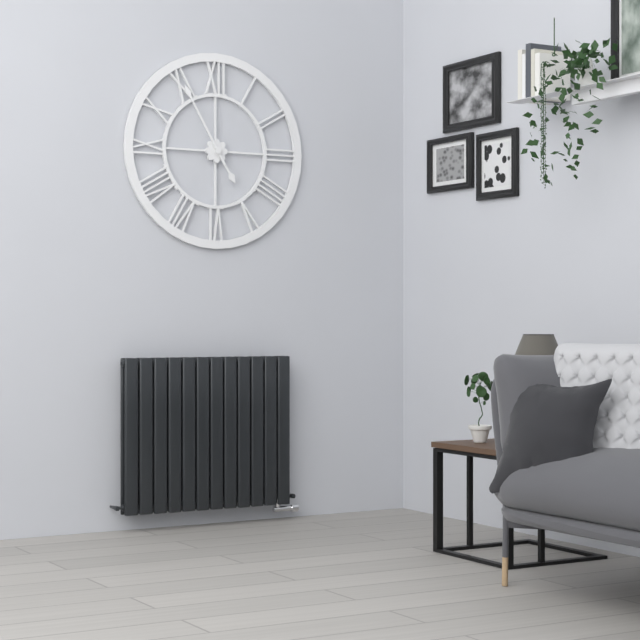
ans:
**4:55**
